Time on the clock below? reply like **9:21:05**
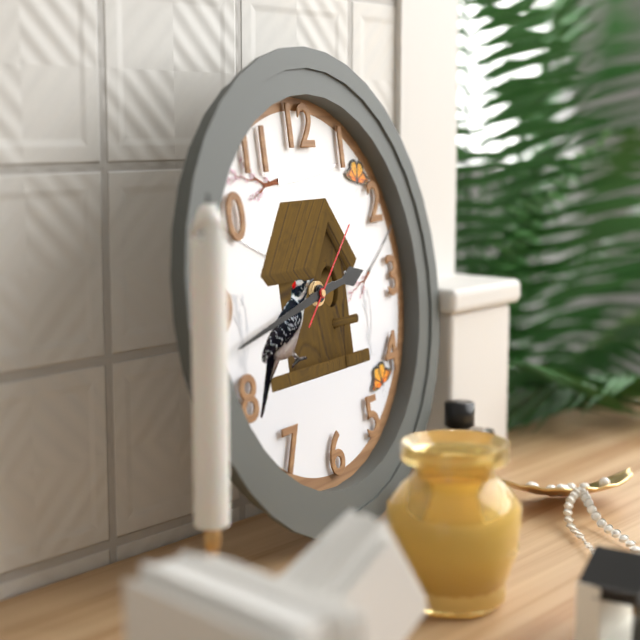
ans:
**2:43:08**
